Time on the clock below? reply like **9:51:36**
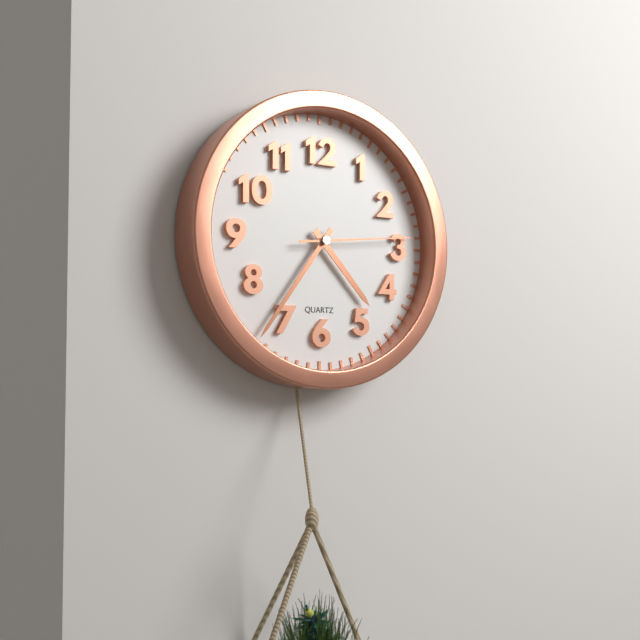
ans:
**4:36:14**
